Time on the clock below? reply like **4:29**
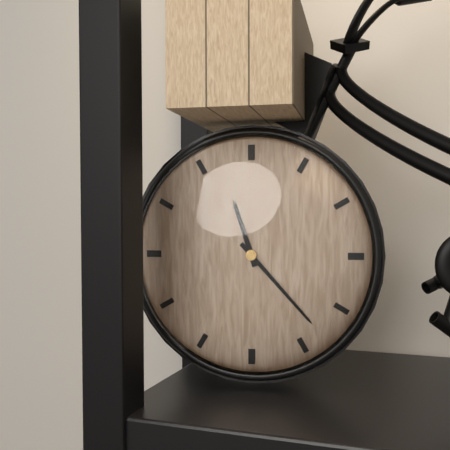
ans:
**11:23**
